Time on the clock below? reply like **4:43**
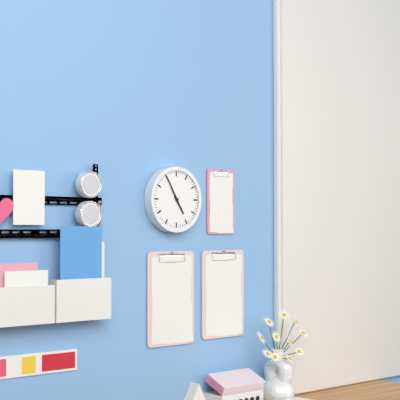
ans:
**4:55**
